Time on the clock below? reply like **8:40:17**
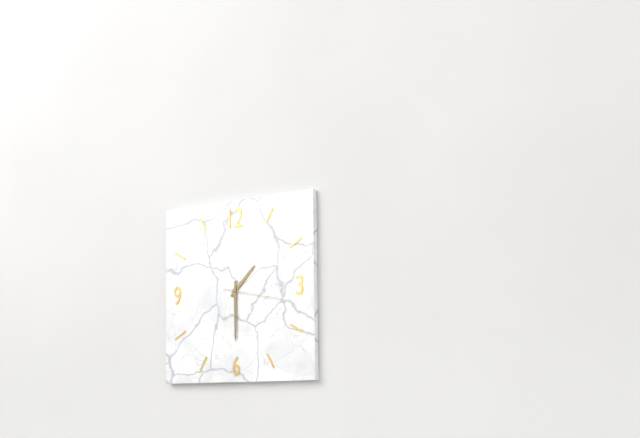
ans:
**1:30:17**
